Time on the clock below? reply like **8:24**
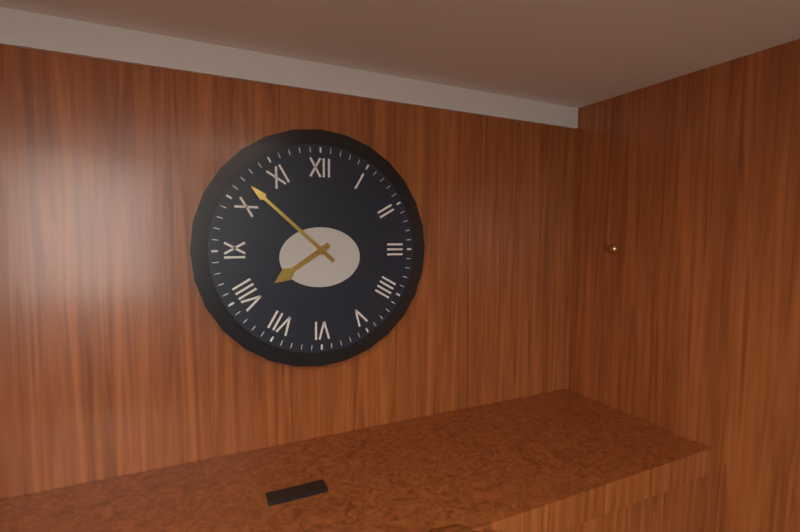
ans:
**7:52**
